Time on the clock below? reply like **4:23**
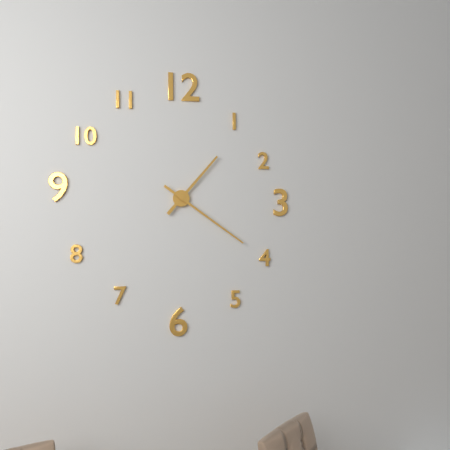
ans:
**1:21**
